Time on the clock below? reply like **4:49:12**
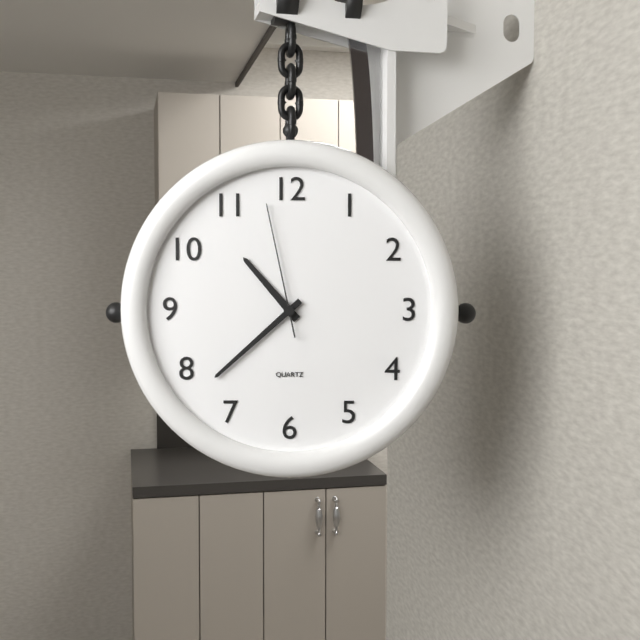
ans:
**10:38:58**
